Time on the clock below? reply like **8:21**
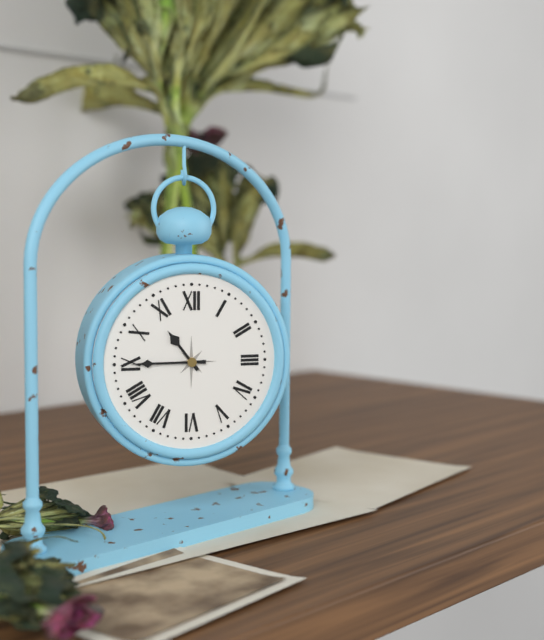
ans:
**10:45**
